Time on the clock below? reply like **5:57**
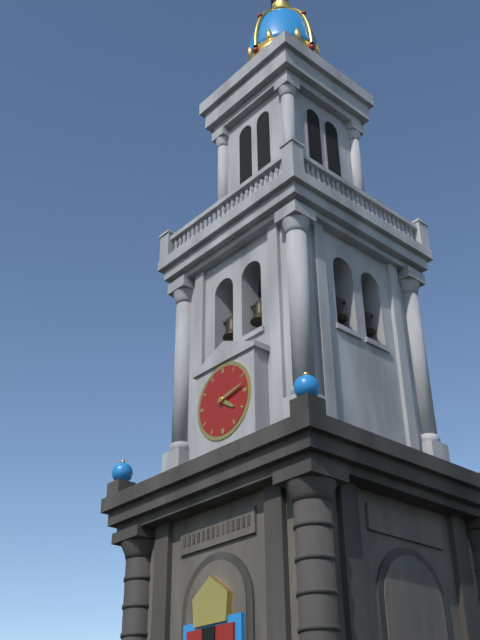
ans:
**4:13**
